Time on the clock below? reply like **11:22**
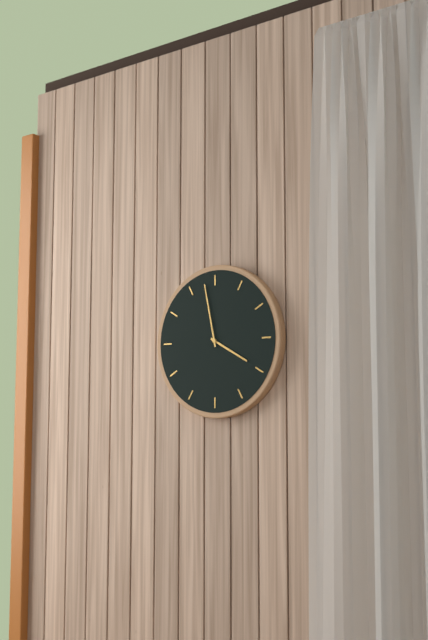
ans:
**3:58**
